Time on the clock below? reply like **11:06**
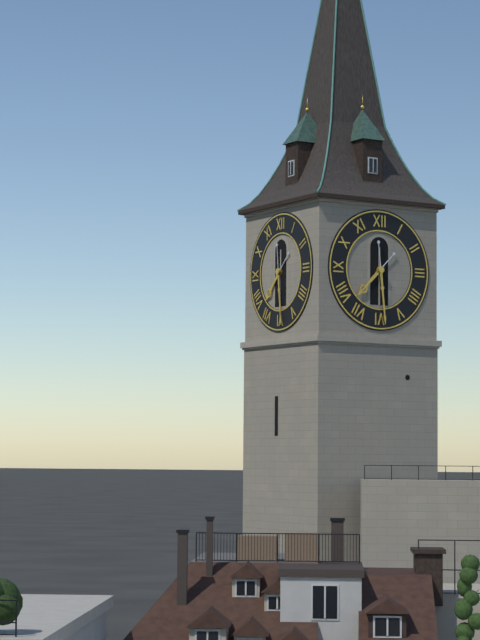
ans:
**7:29**
